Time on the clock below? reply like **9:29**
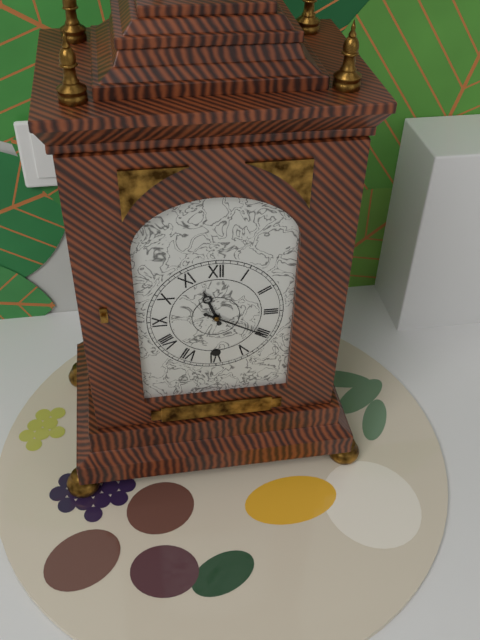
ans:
**11:20**
